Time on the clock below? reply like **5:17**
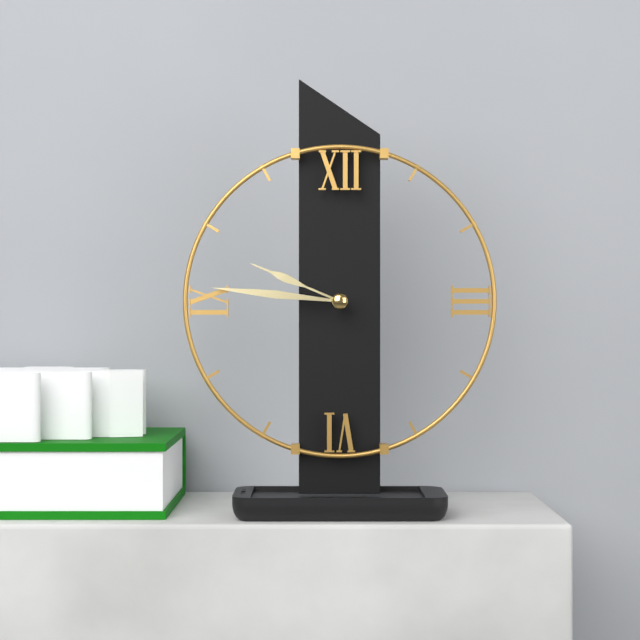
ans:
**9:46**
